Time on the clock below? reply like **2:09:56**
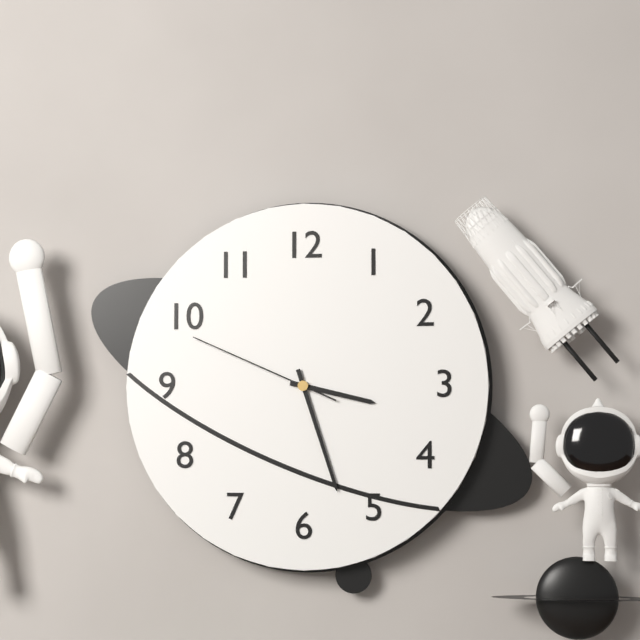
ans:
**3:27:49**
